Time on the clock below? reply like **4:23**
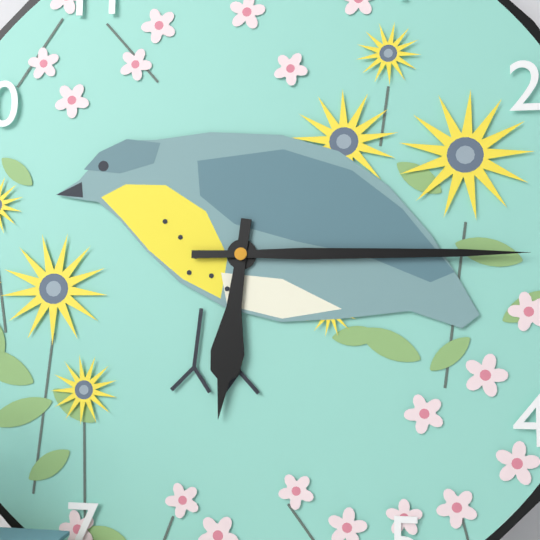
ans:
**6:15**
